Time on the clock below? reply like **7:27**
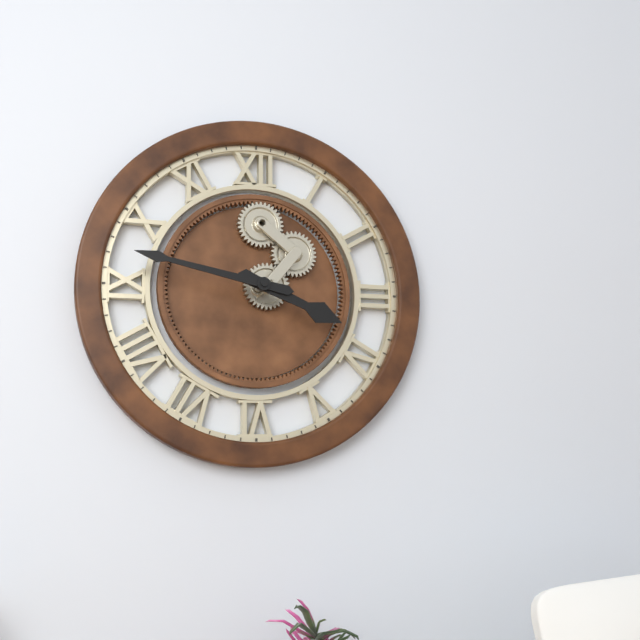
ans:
**3:47**
